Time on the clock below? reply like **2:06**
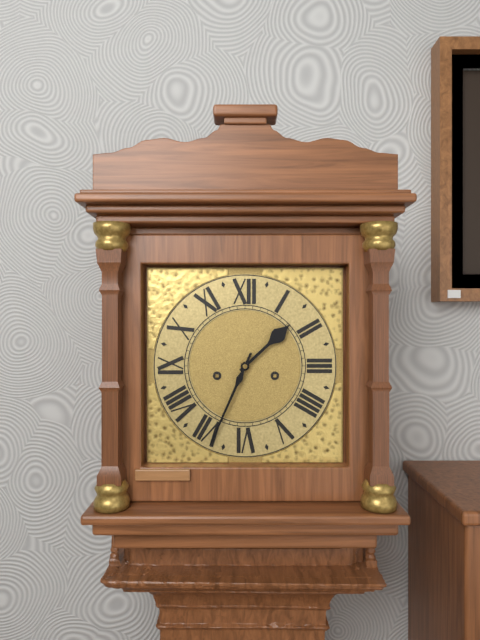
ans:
**1:34**
